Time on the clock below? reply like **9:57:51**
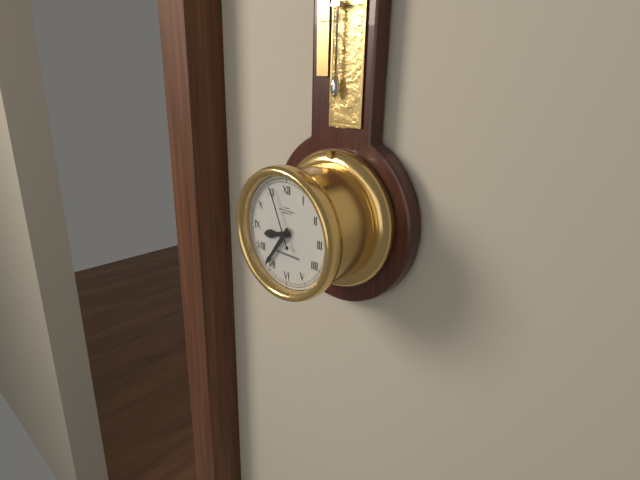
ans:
**8:36:56**
